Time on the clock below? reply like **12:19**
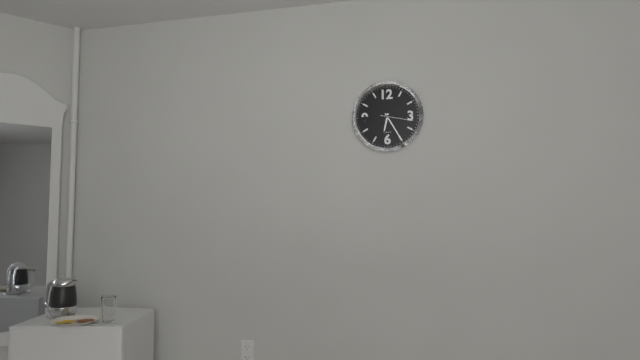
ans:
**6:25**
